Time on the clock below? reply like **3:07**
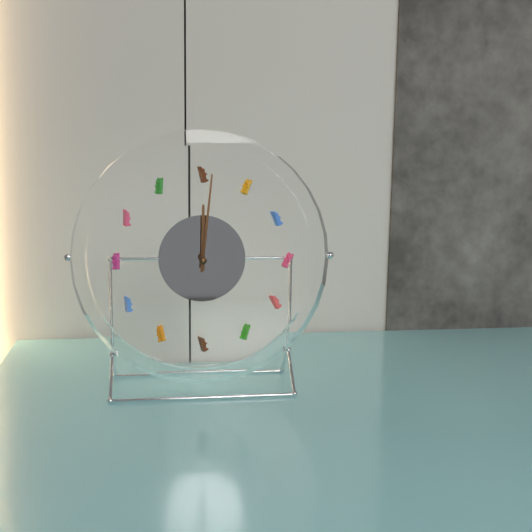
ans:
**12:01**
